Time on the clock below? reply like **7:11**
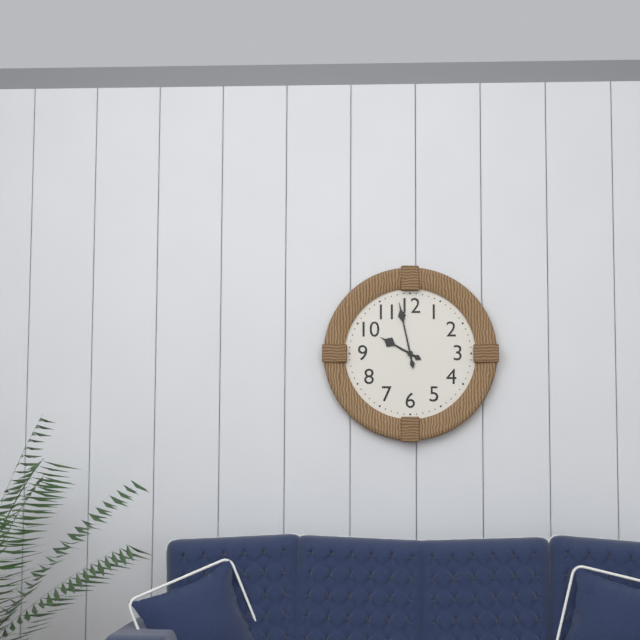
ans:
**9:58**
